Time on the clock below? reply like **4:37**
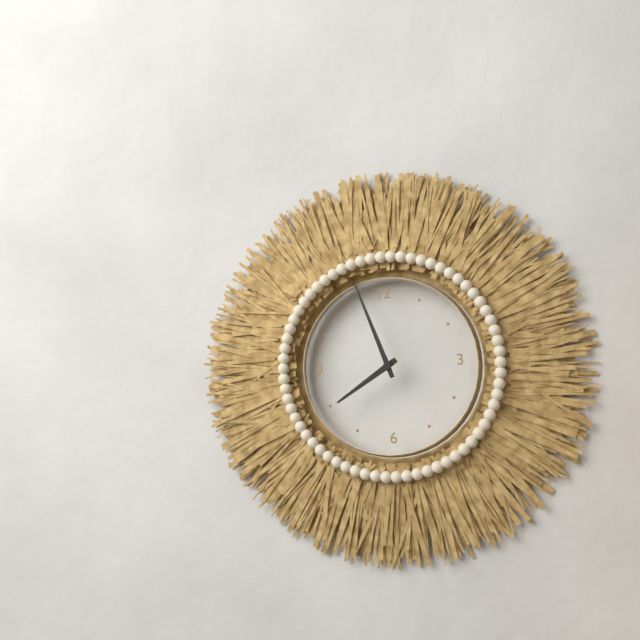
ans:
**7:57**
